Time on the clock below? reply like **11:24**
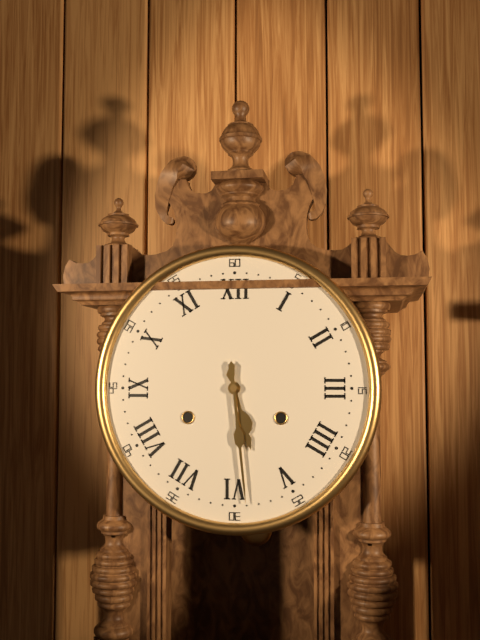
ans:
**5:29**
